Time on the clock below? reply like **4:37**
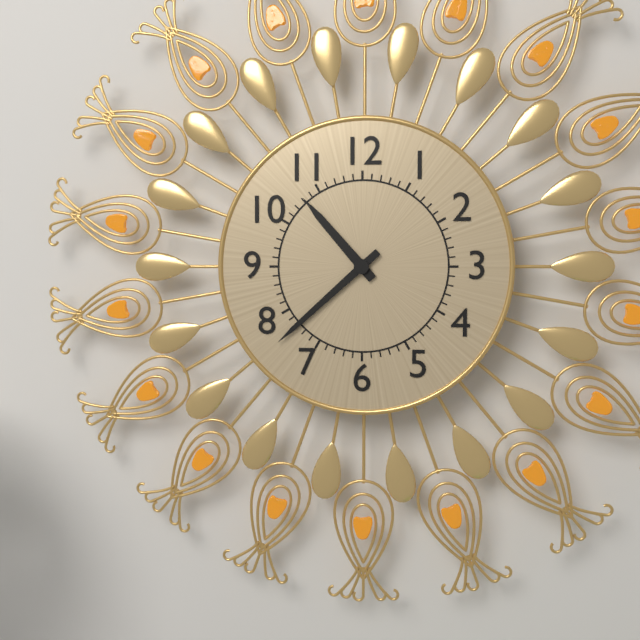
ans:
**10:38**
